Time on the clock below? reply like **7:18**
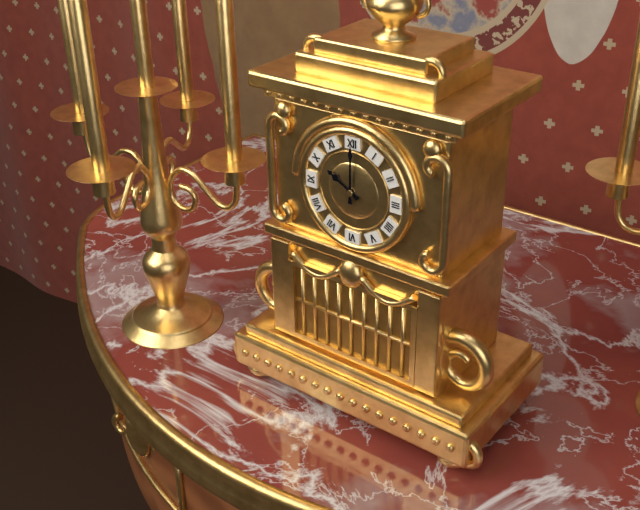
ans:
**10:00**
